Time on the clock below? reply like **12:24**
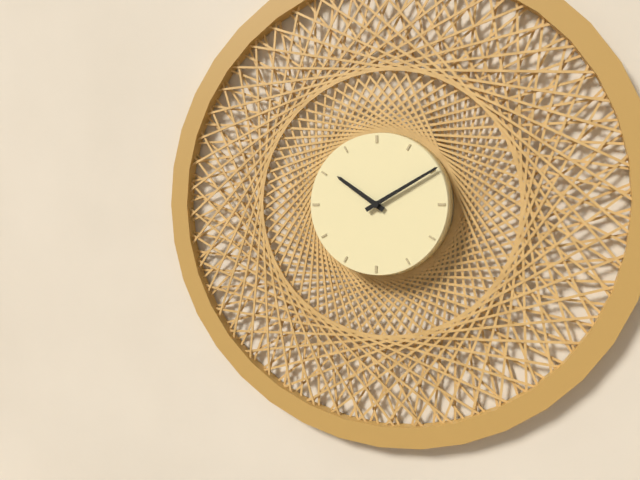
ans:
**10:10**
